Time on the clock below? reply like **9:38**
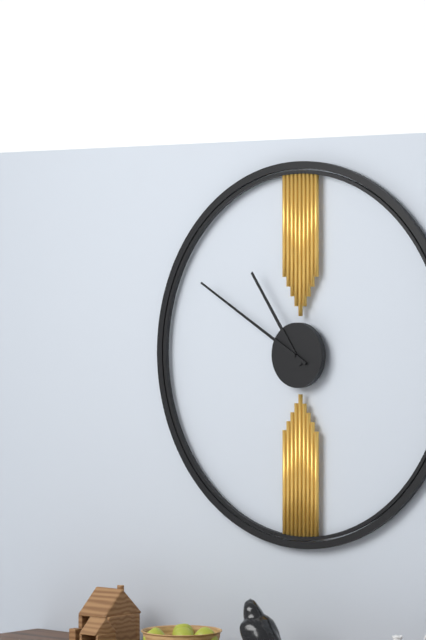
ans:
**10:50**
